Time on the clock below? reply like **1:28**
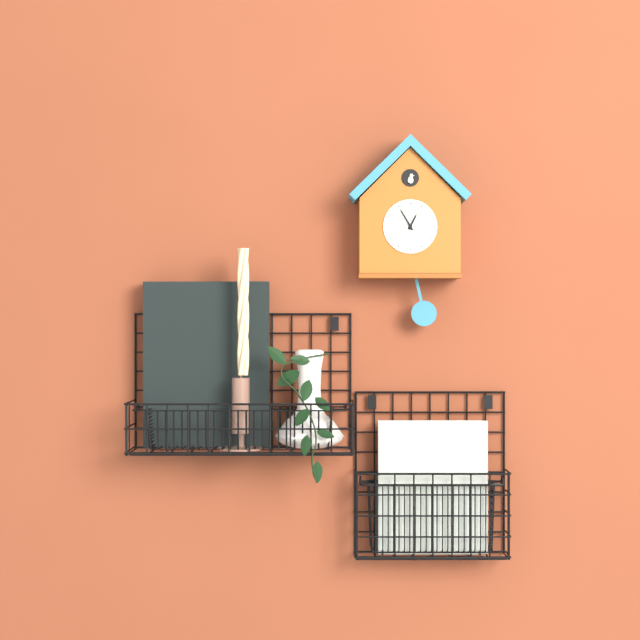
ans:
**12:55**
